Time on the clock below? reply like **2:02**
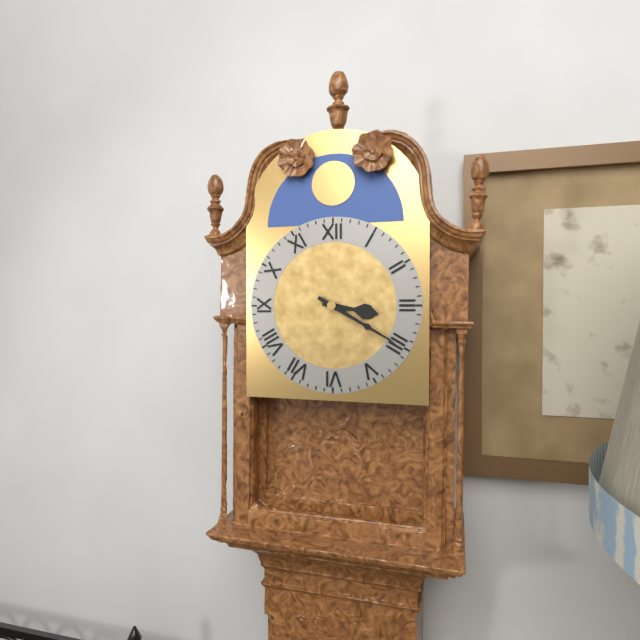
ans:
**3:20**
